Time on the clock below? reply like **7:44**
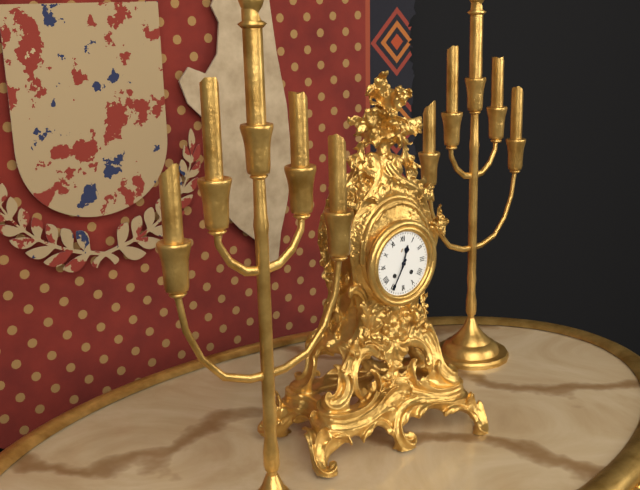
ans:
**12:35**
